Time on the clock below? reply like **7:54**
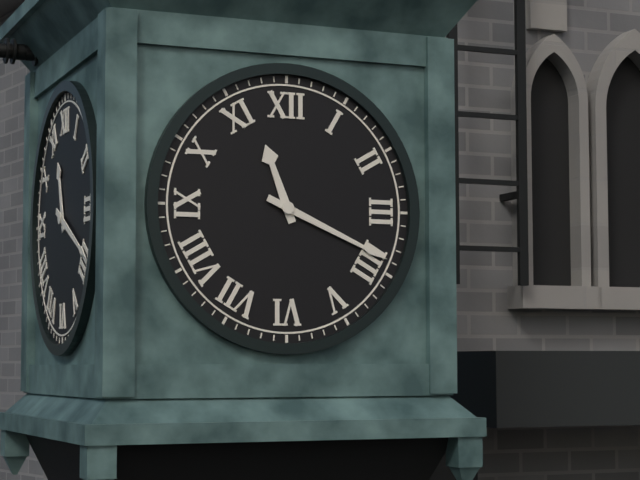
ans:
**11:19**
